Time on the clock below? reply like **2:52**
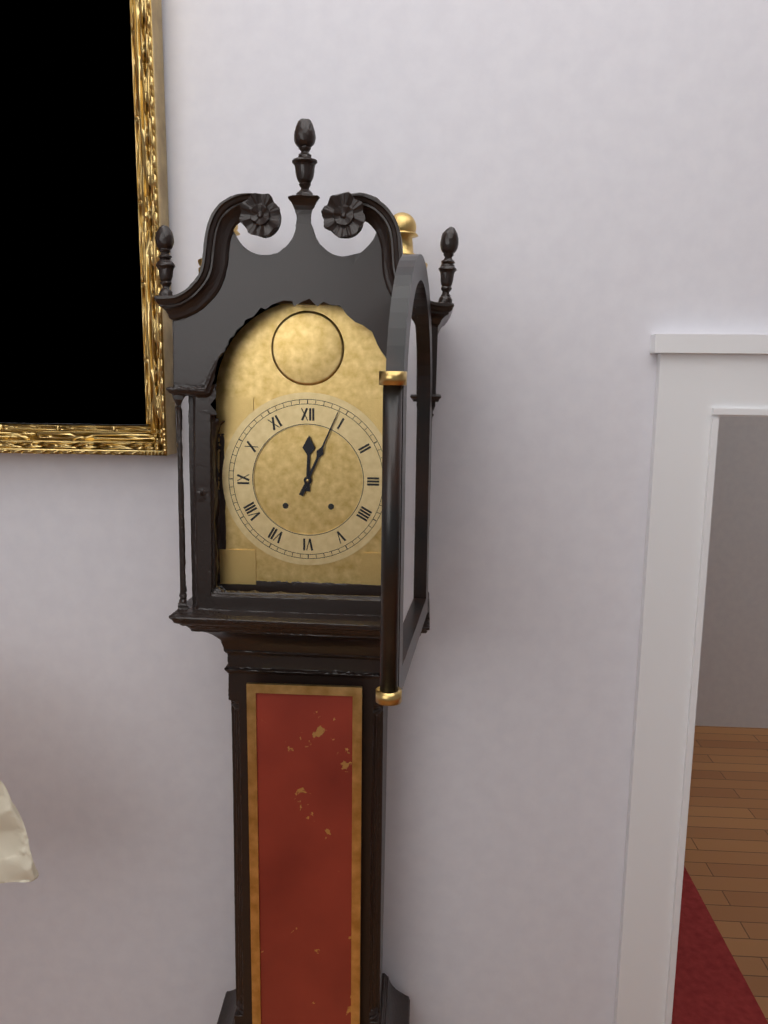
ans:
**12:04**
